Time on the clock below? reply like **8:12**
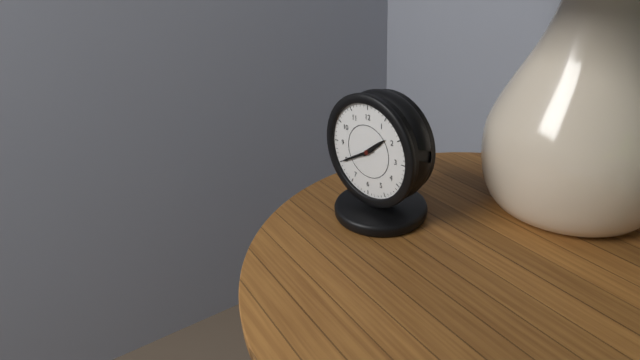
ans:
**1:40**
